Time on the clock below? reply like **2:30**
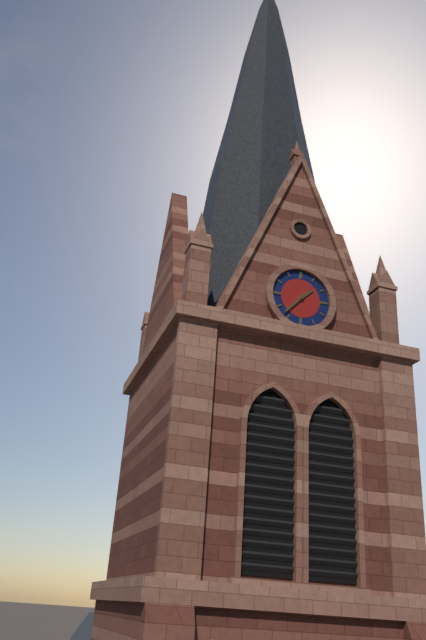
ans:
**1:37**
